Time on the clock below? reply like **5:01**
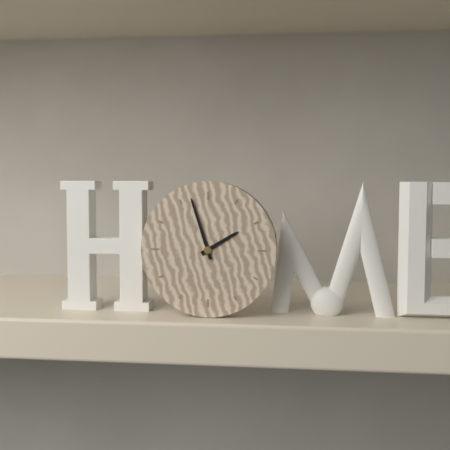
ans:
**1:57**
